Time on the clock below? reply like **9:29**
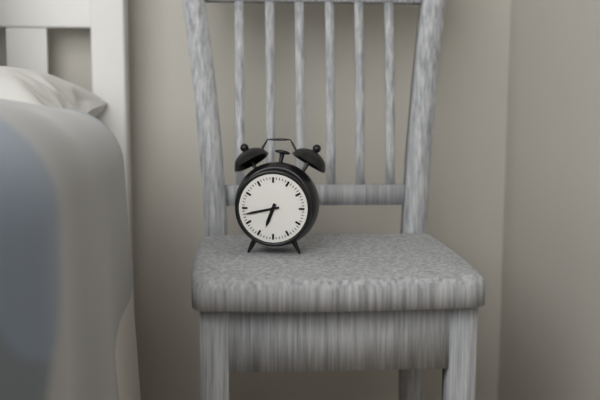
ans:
**6:43**
